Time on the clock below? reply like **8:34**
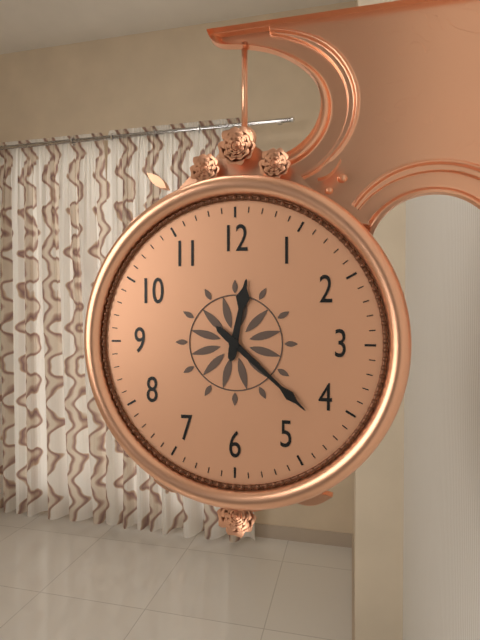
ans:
**12:22**
